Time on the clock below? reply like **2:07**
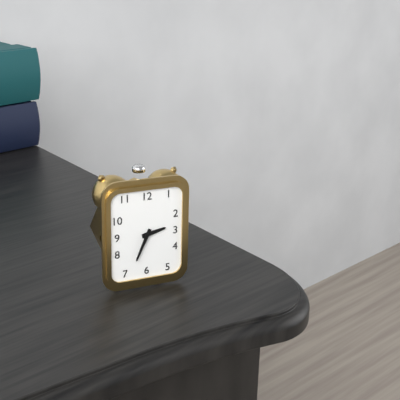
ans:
**2:34**
